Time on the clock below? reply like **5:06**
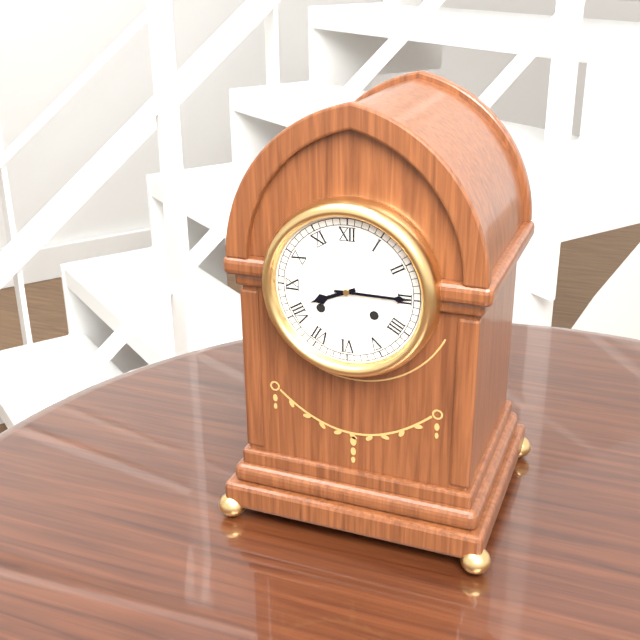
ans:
**8:15**
